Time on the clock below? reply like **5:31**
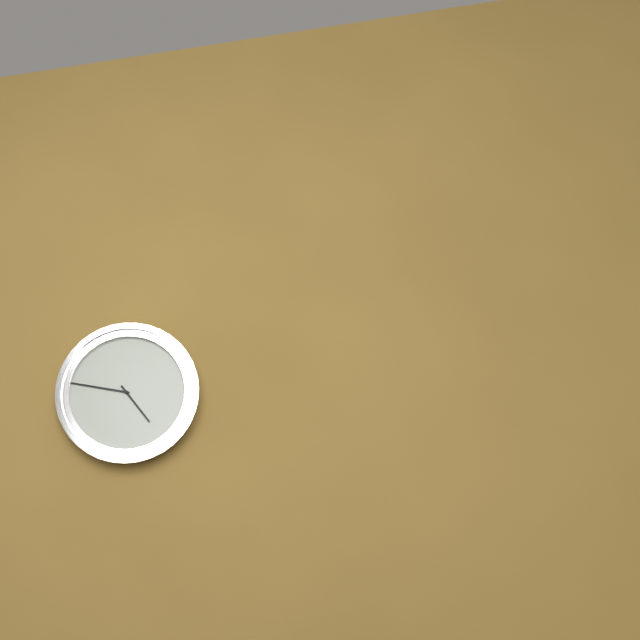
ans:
**4:47**
